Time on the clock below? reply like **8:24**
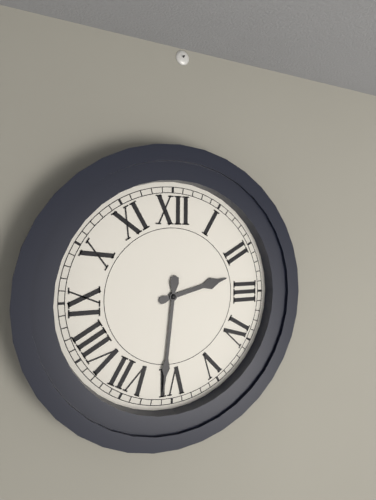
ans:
**2:31**
